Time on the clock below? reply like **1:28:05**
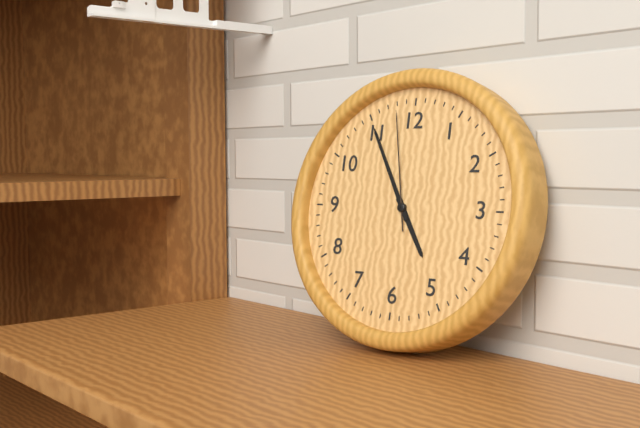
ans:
**4:55:58**
